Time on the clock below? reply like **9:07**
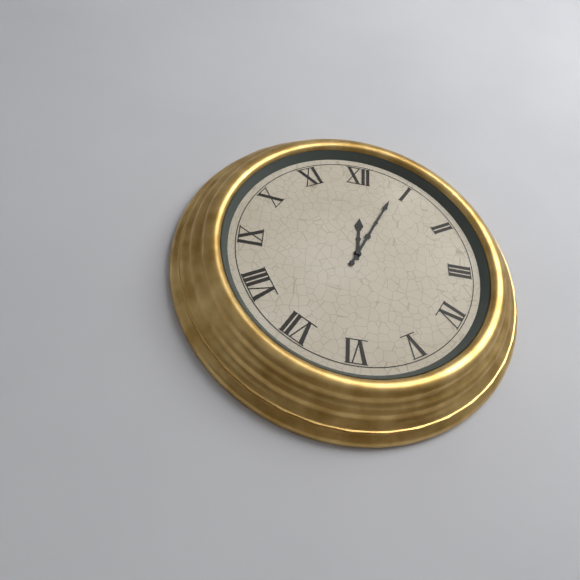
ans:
**12:04**
